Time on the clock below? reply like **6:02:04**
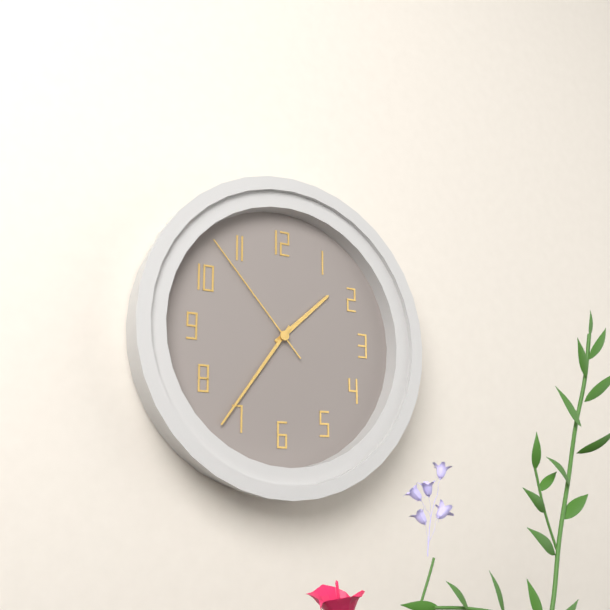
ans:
**1:36:53**
